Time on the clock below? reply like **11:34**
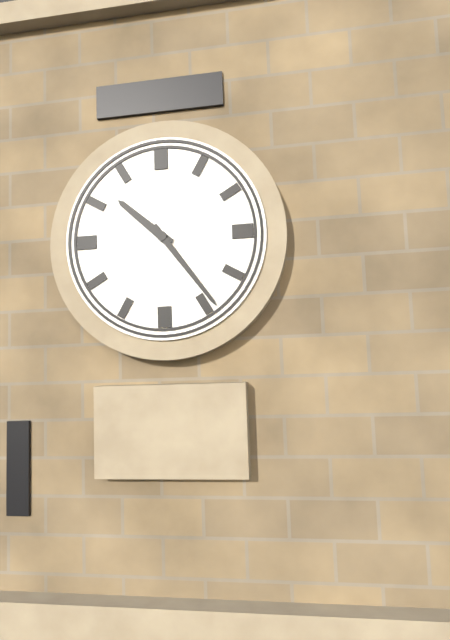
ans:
**10:24**
